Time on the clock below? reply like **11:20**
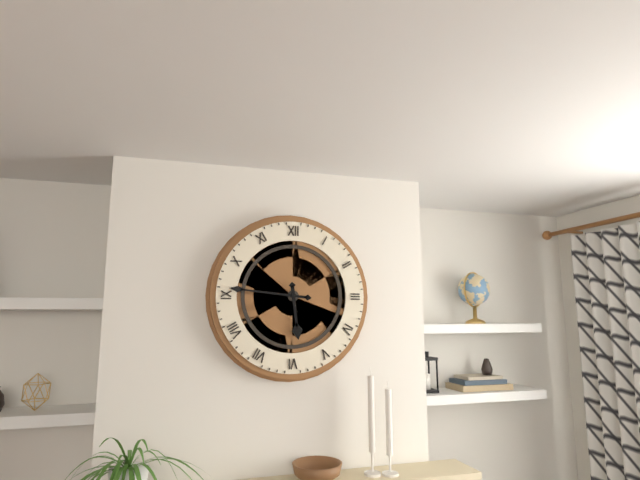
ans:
**5:46**
